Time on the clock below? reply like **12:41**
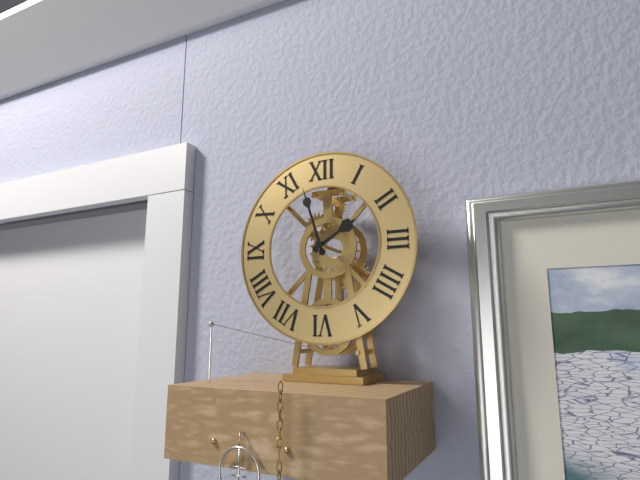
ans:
**1:57**
